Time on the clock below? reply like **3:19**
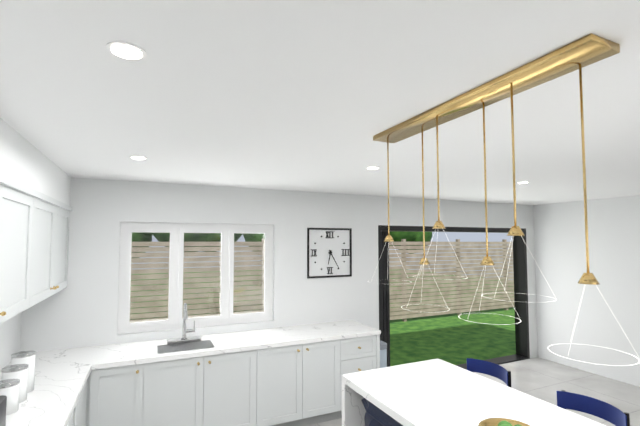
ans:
**6:25**
